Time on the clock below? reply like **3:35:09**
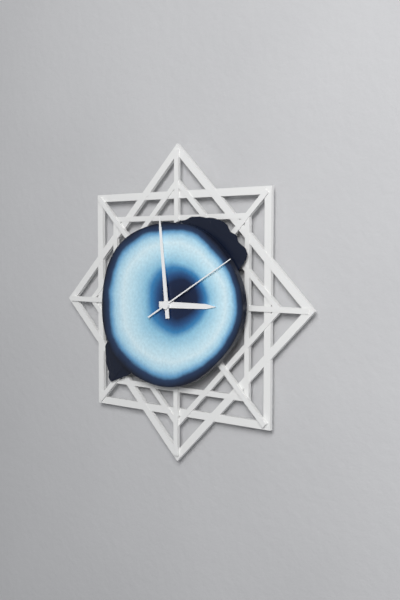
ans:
**2:59:10**
